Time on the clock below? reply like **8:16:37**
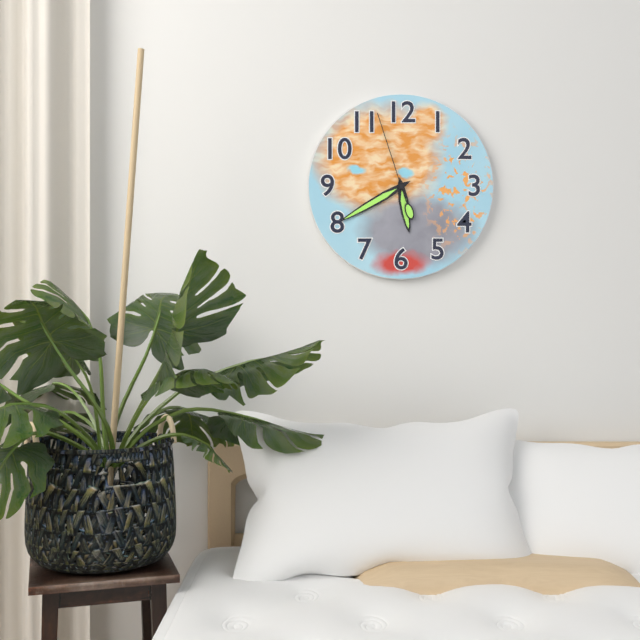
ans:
**5:40:57**
